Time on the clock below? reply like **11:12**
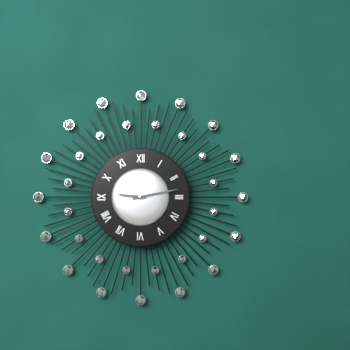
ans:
**9:13**
